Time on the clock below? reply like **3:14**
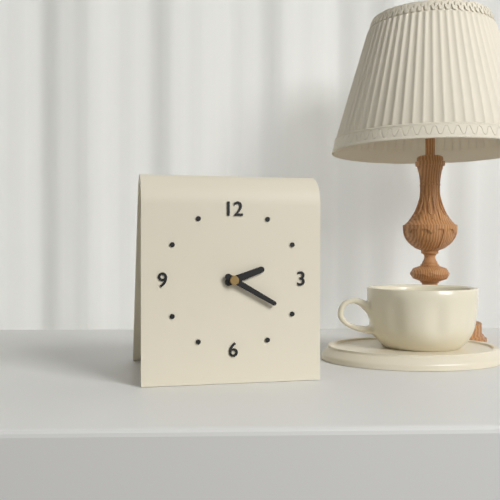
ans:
**2:20**
